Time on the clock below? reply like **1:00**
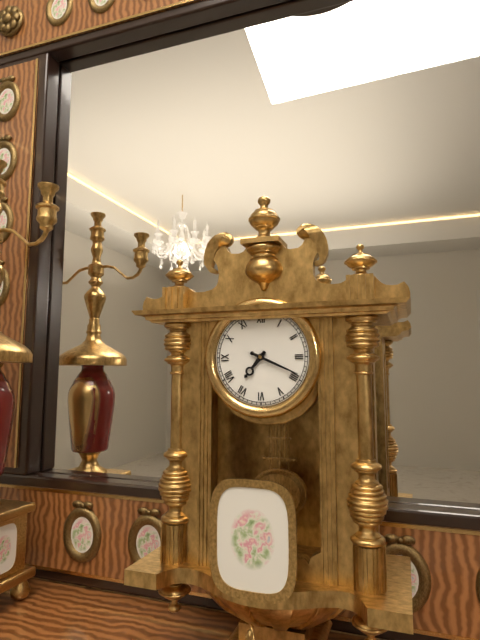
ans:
**7:19**
